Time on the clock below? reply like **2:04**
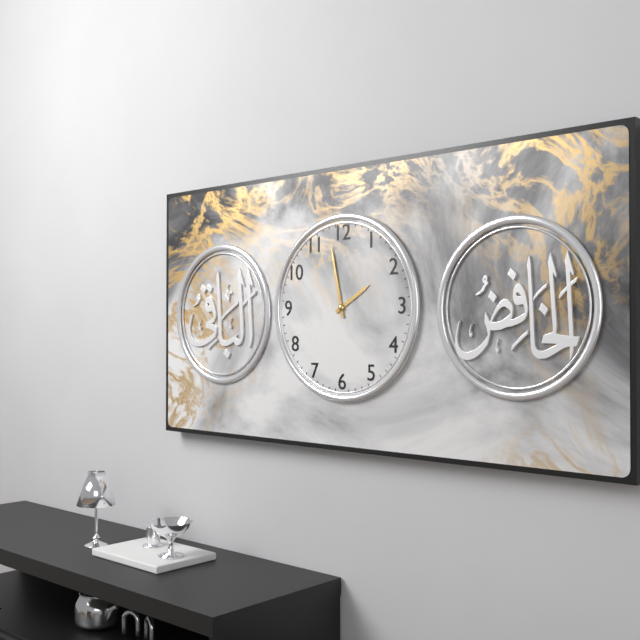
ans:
**1:58**
